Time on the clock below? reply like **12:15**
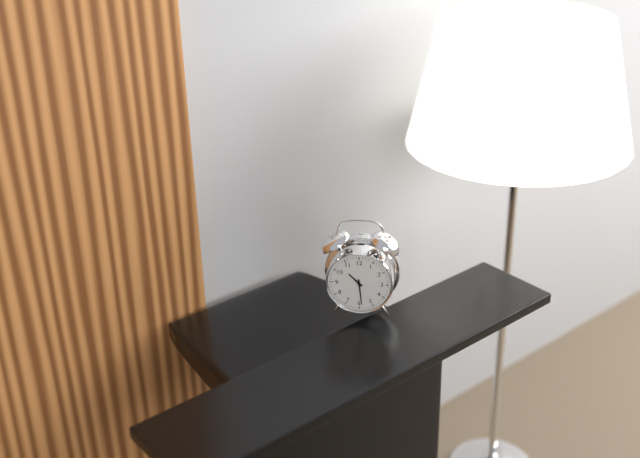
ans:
**10:29**
